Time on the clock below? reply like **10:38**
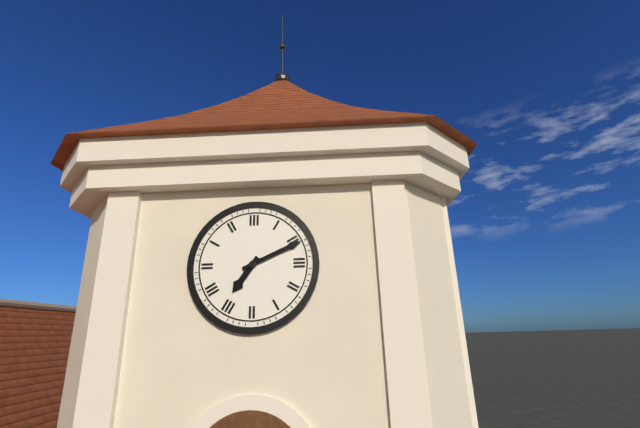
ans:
**7:11**
